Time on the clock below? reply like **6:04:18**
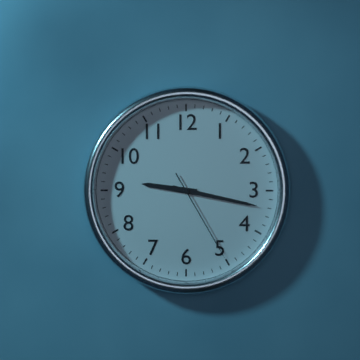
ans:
**9:17:25**
